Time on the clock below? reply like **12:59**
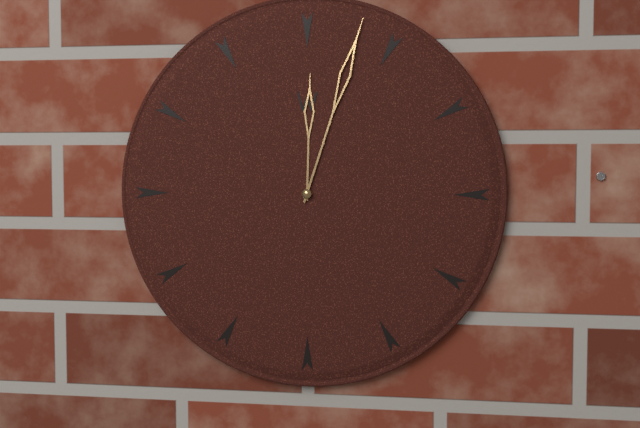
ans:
**12:03**
